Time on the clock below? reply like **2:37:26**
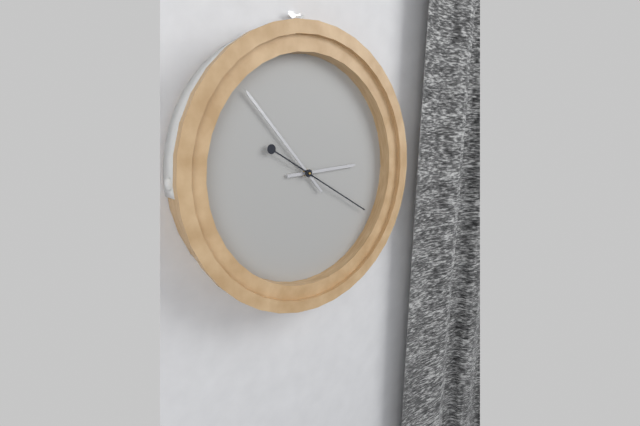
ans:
**2:53:20**
